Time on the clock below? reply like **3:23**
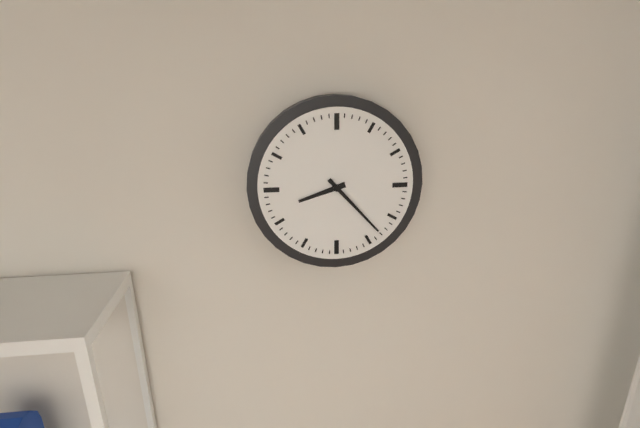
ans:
**8:23**
